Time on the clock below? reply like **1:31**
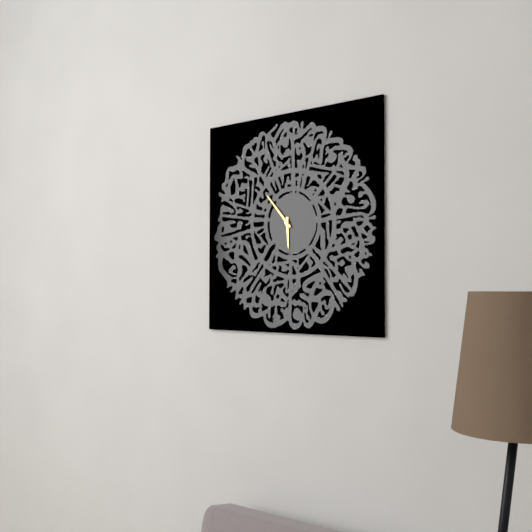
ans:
**5:53**
